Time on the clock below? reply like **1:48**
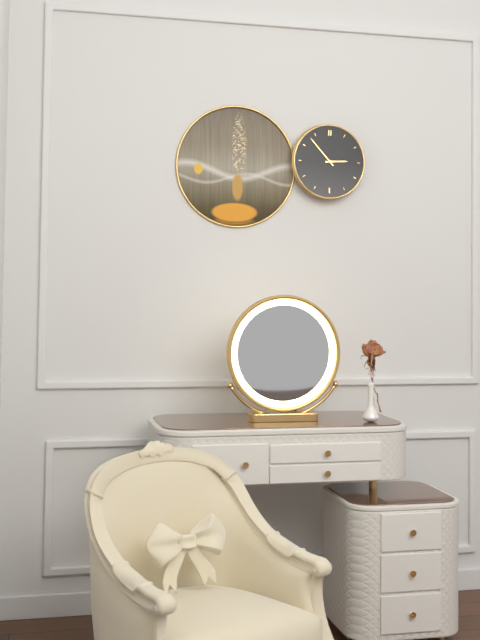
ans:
**2:53**
